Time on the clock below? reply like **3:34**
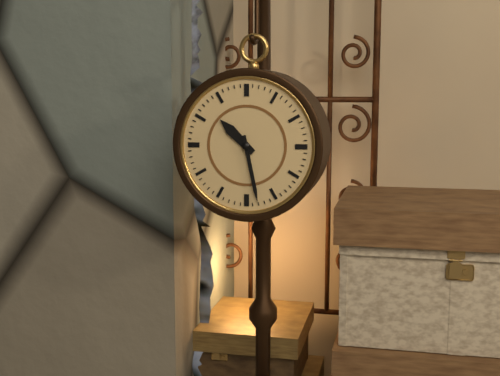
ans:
**10:28**
